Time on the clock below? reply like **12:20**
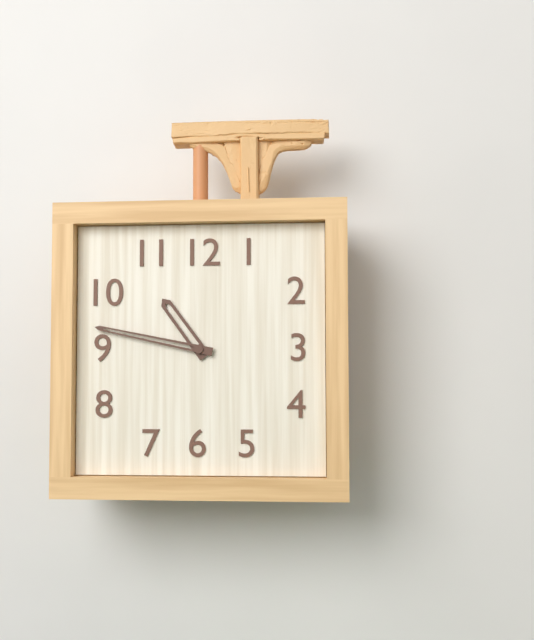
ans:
**10:47**
